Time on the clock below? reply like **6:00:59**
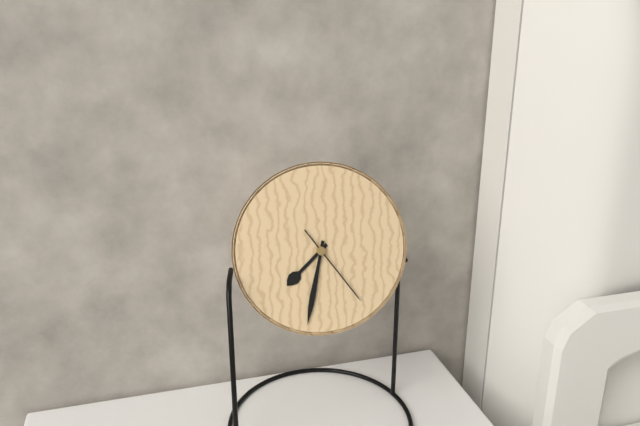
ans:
**7:32:24**
